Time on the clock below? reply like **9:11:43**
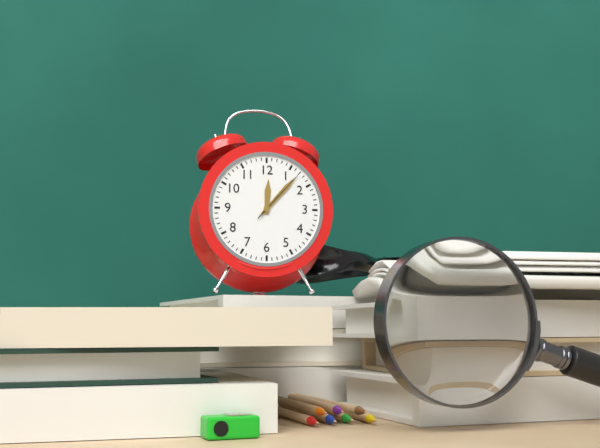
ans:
**12:07:07**
